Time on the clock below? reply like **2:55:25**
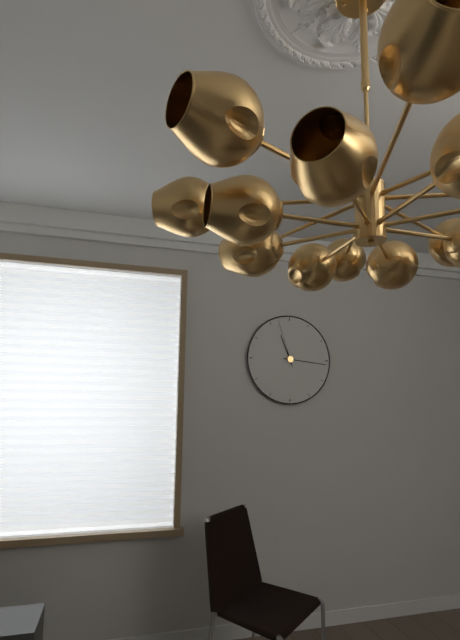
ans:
**11:16:57**
